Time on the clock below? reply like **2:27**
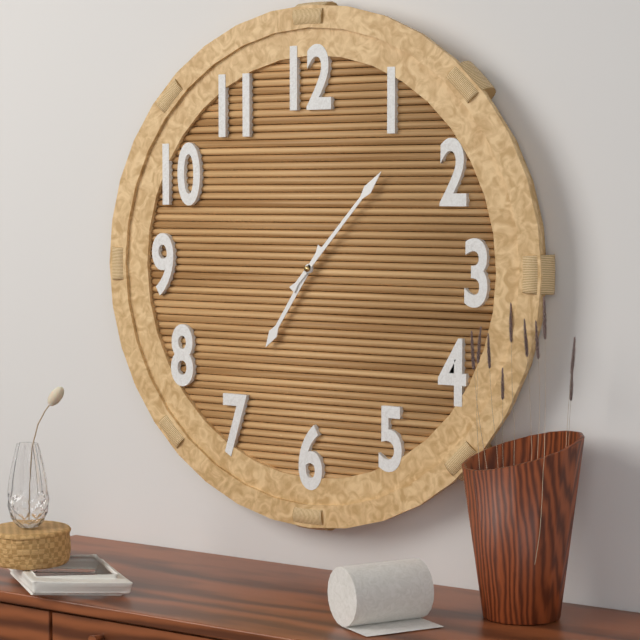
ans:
**7:07**
